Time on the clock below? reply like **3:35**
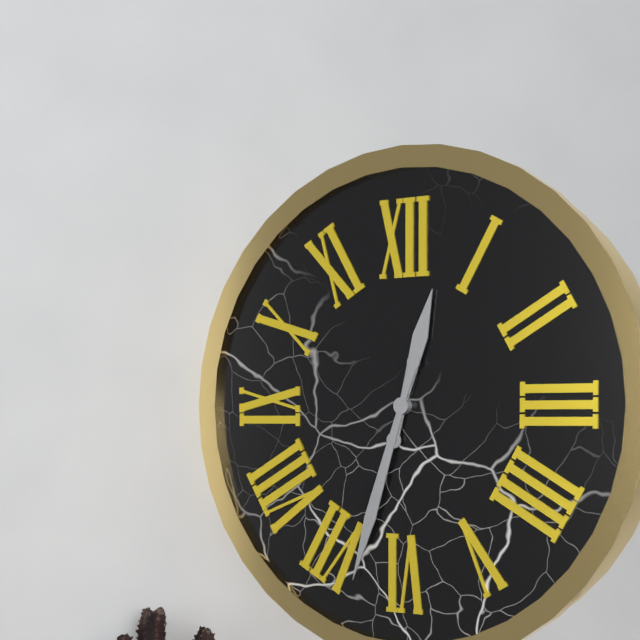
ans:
**12:33**
